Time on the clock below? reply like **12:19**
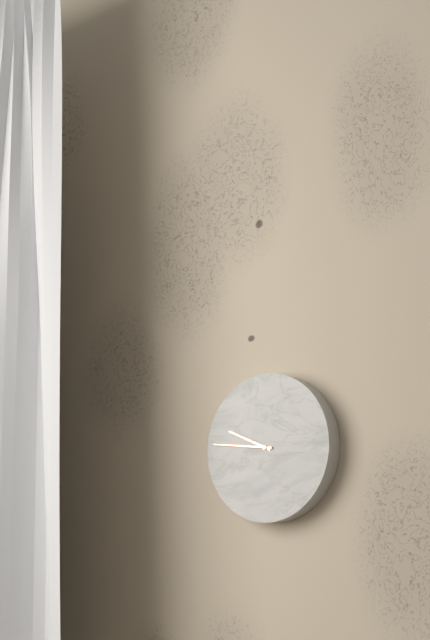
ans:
**9:46**
